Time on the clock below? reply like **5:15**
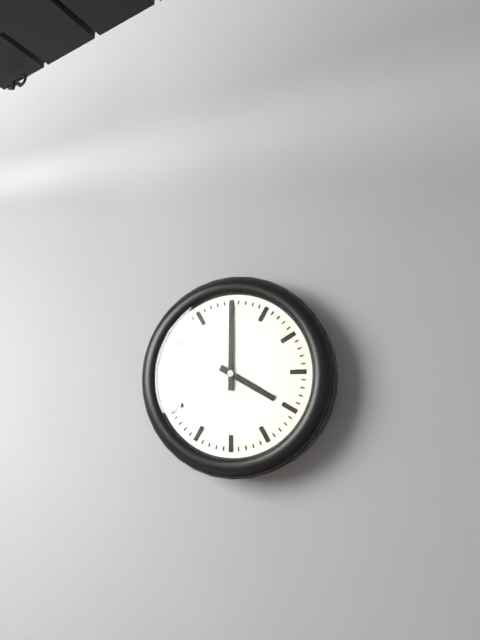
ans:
**4:00**
